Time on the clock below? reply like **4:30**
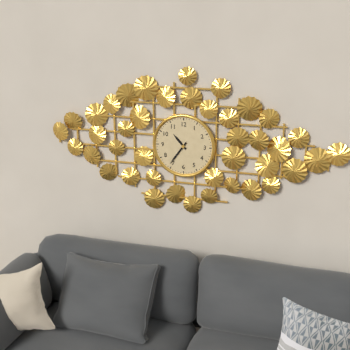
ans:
**10:36**
